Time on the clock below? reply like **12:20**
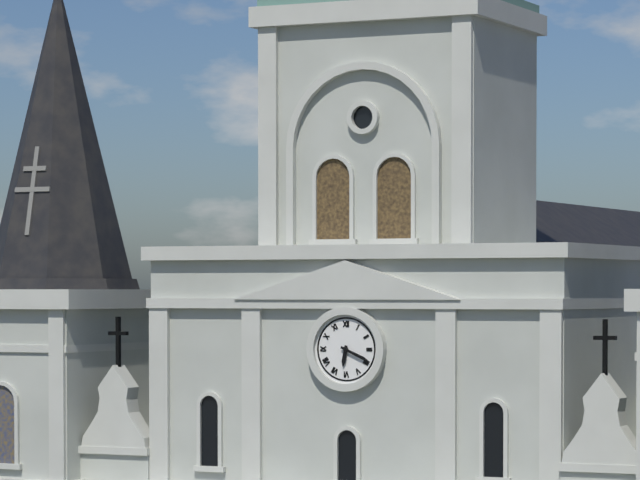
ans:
**6:19**
